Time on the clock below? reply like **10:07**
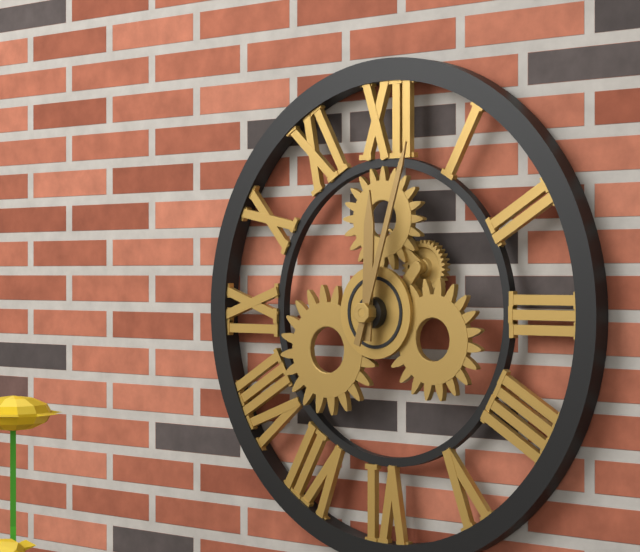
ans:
**12:03**
